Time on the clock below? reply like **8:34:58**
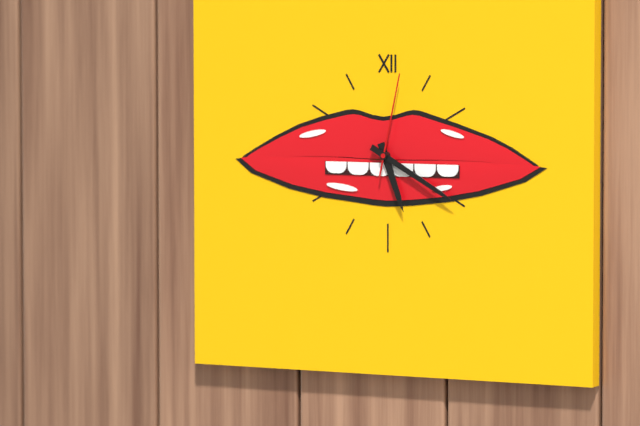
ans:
**5:20:02**
